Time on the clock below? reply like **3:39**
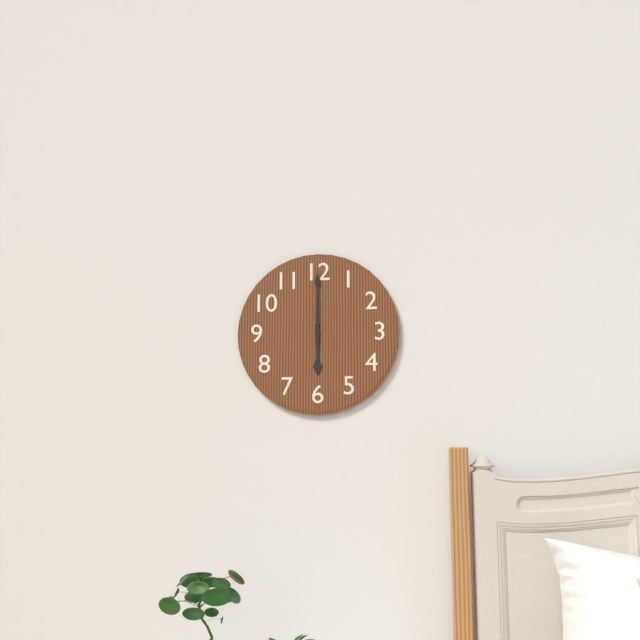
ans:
**6:00**
